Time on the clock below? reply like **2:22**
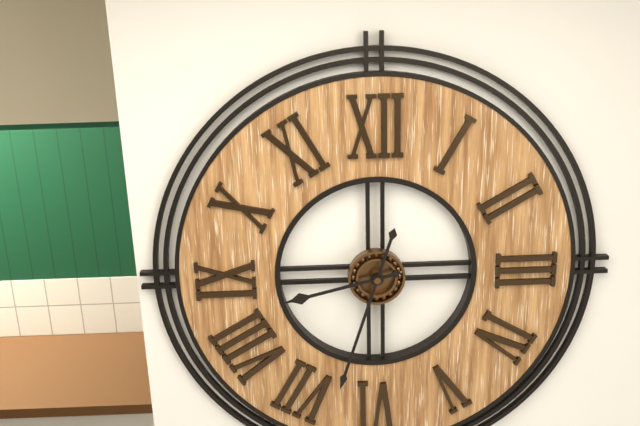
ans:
**8:33**
